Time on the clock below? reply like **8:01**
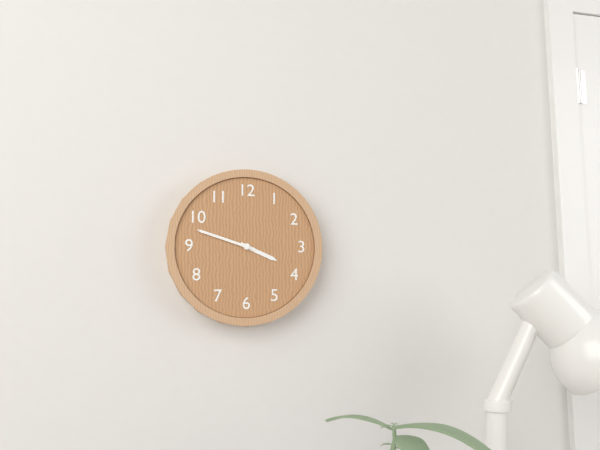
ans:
**3:48**
